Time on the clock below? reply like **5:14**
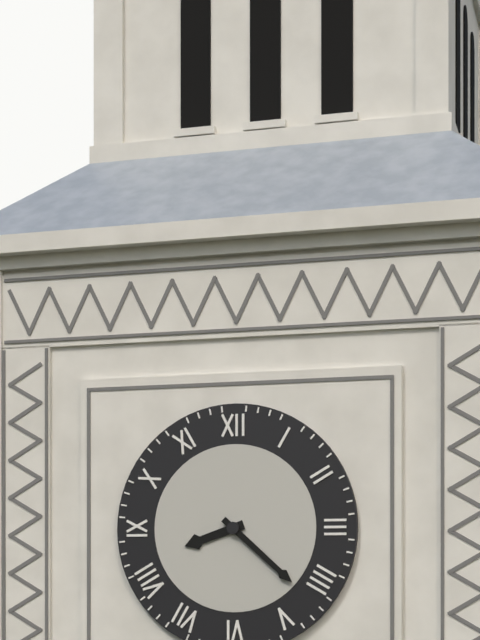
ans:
**8:22**
